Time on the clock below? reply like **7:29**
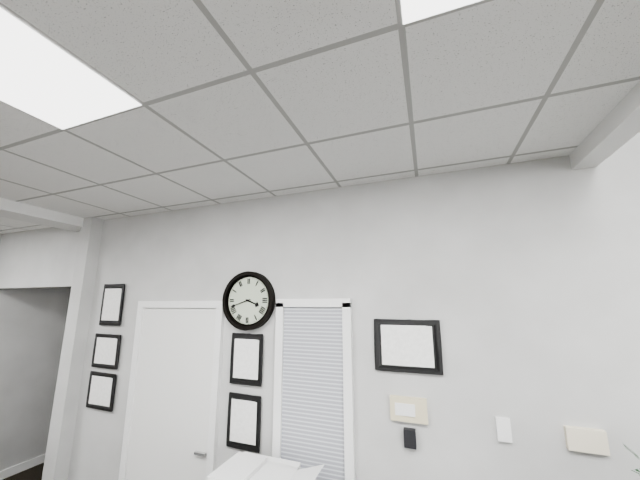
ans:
**3:42**
